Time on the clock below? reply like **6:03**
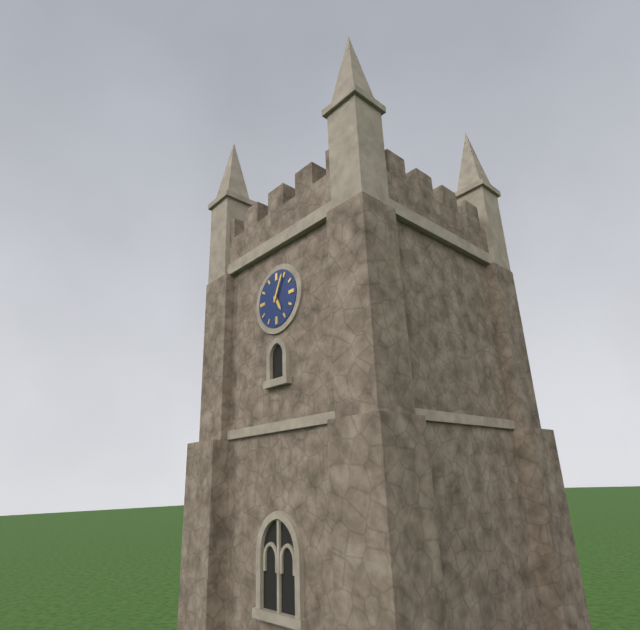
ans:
**5:04**
